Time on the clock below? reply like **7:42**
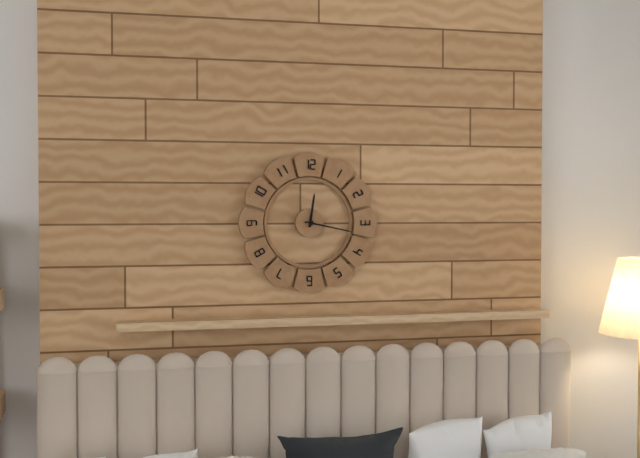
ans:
**12:17**
